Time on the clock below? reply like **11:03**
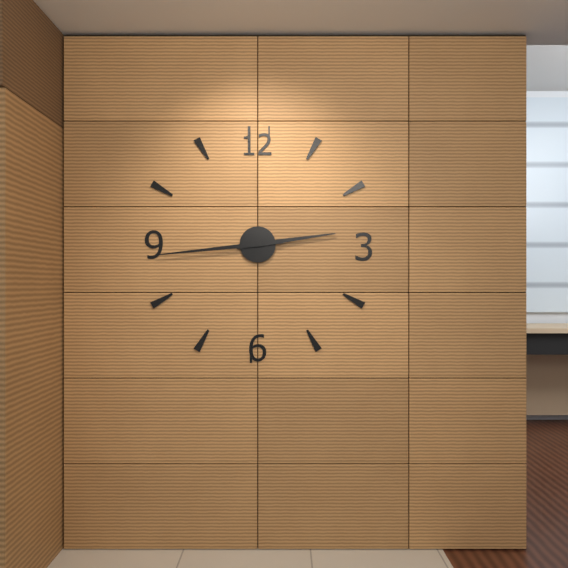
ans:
**2:44**
